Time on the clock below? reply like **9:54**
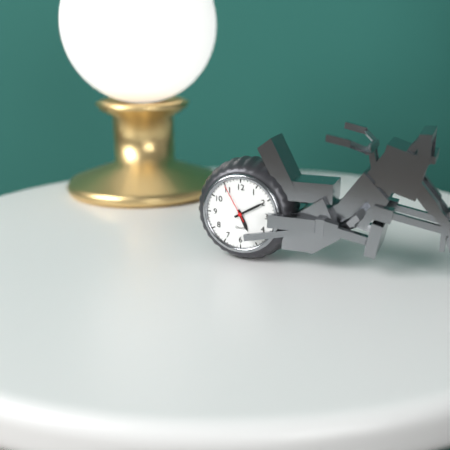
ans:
**5:10**
